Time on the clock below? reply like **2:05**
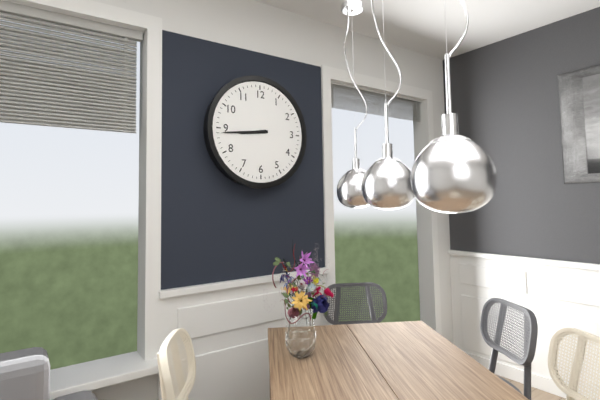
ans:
**8:44**
